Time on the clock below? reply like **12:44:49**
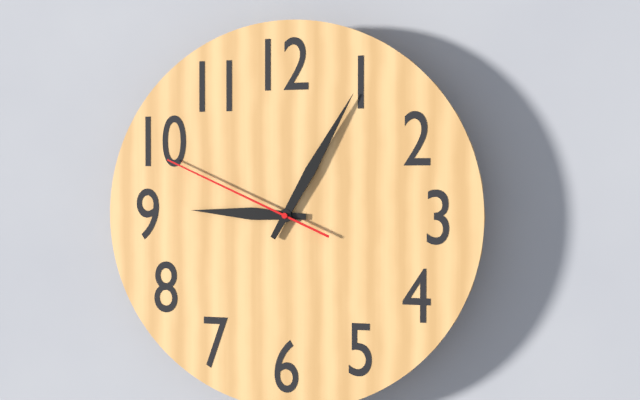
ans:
**9:05:49**
